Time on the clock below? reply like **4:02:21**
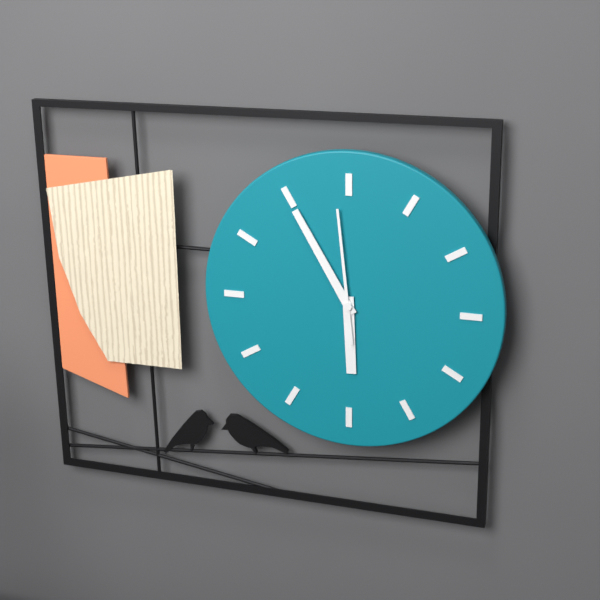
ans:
**5:55:59**
